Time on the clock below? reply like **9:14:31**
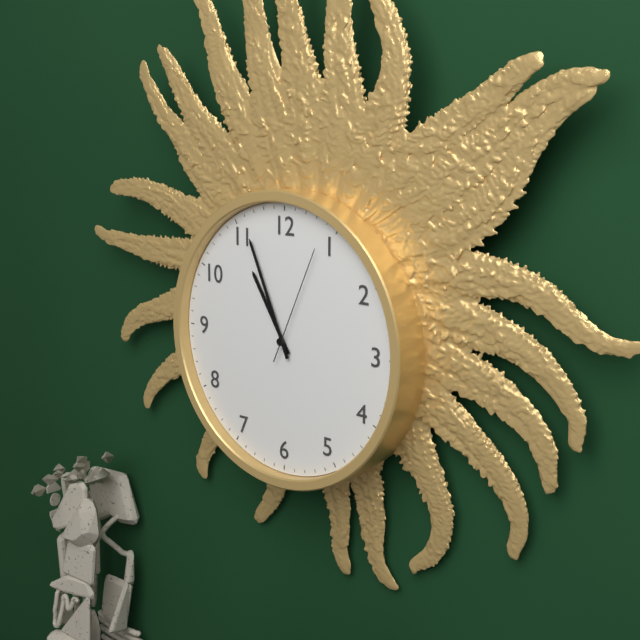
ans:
**10:56:04**
